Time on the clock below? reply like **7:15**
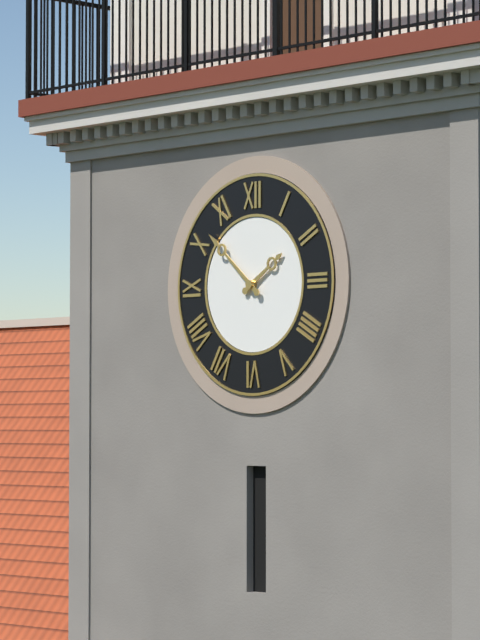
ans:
**1:52**
